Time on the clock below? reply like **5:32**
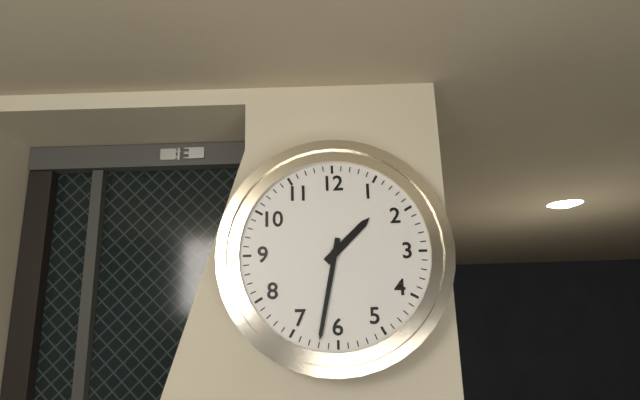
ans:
**1:32**
